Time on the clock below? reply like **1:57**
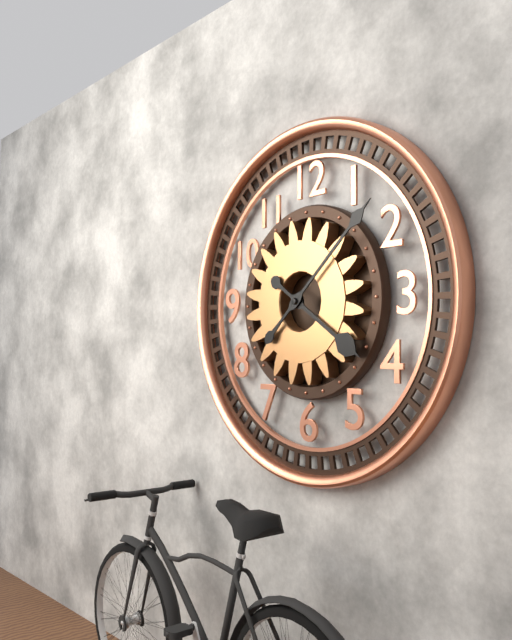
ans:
**4:08**
